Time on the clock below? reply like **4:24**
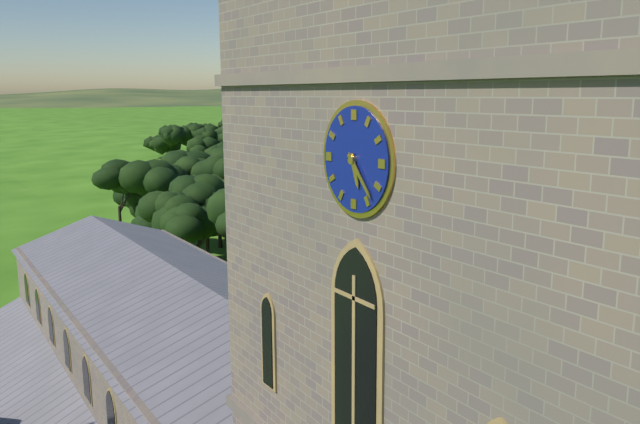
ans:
**5:23**
